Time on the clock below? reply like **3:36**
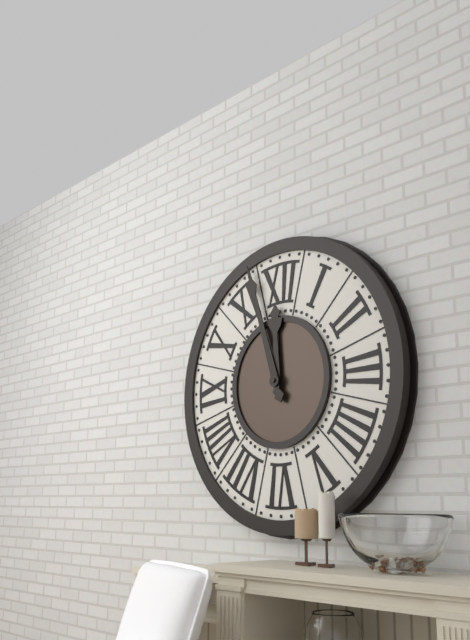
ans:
**11:57**
